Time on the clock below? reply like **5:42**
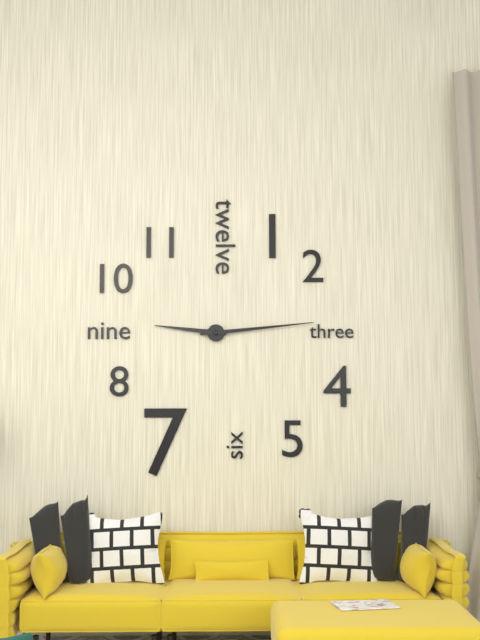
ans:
**9:14**
